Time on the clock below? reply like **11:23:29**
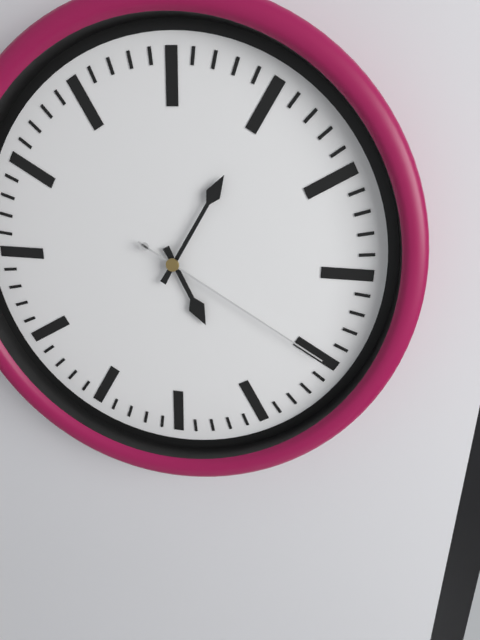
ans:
**5:05:20**
